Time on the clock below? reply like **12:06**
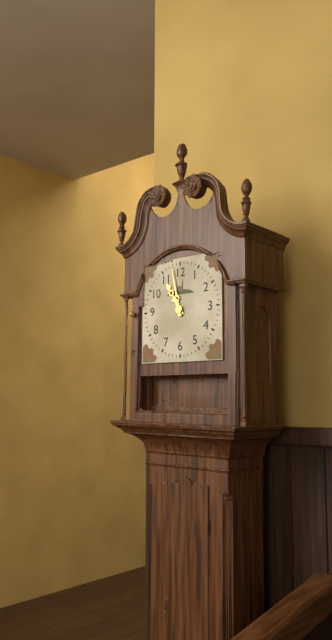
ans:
**10:58**
